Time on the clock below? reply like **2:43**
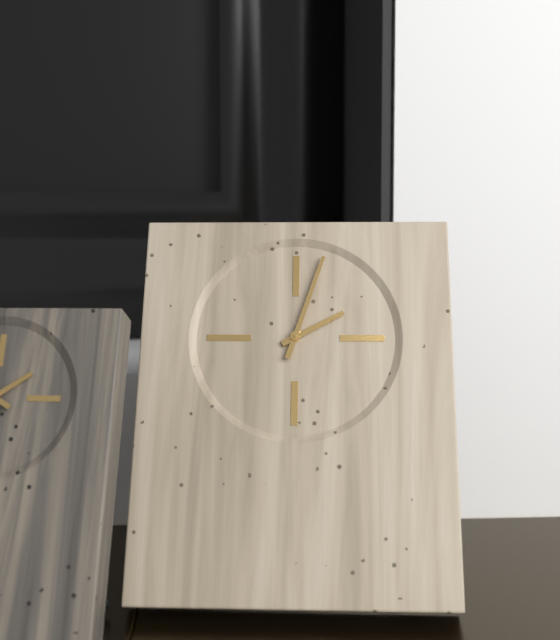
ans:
**2:03**
